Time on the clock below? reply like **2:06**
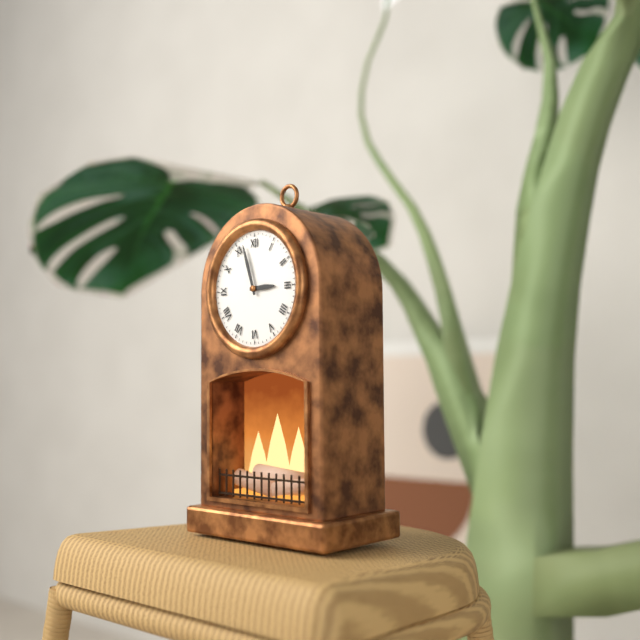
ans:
**2:57**
